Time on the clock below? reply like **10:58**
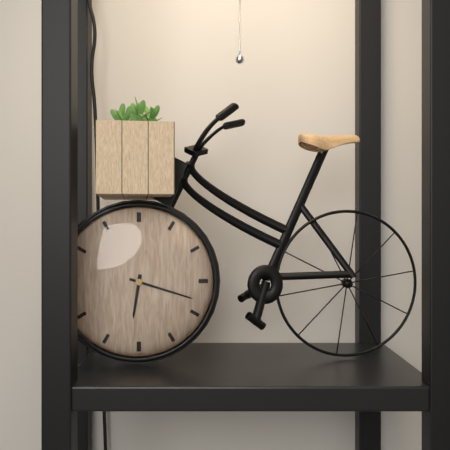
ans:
**6:18**
